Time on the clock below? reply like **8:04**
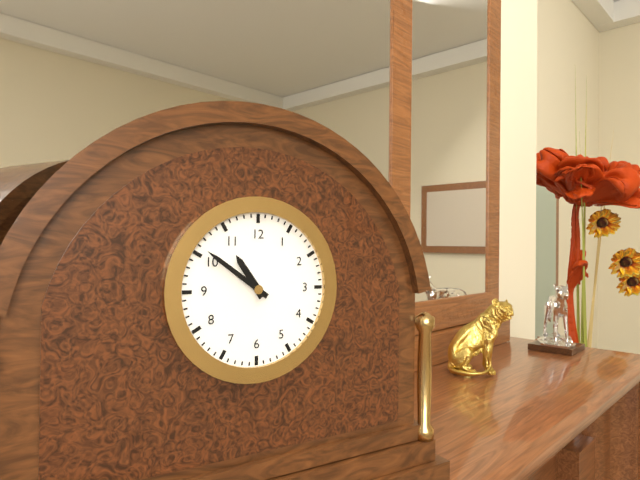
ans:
**10:51**
